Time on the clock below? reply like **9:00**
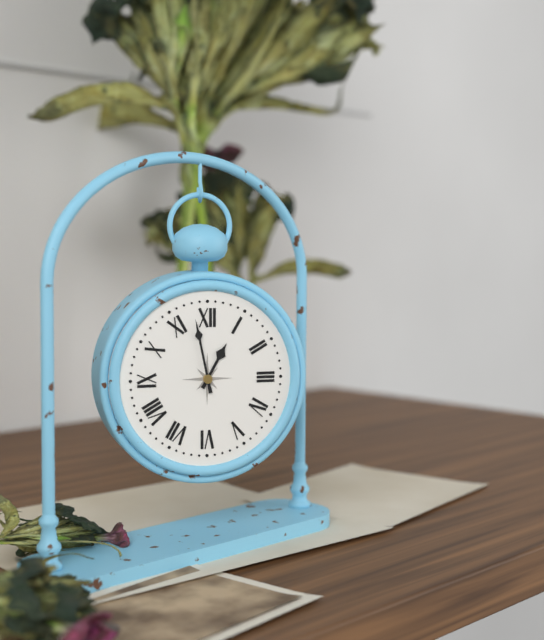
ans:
**12:58**
